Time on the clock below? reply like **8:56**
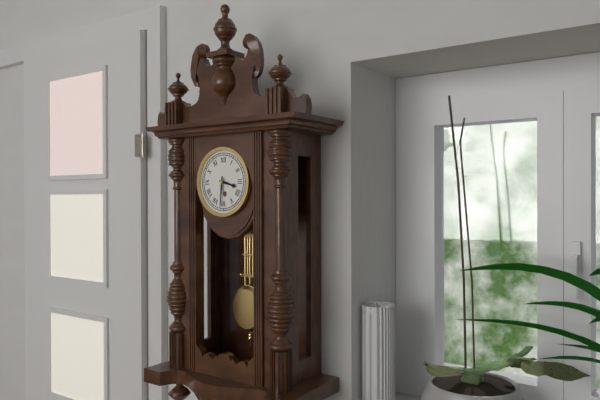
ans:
**3:31**
